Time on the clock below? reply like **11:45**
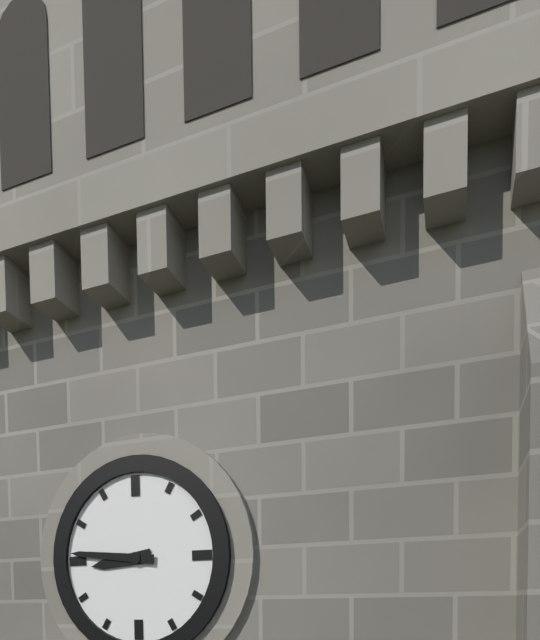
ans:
**8:46**
